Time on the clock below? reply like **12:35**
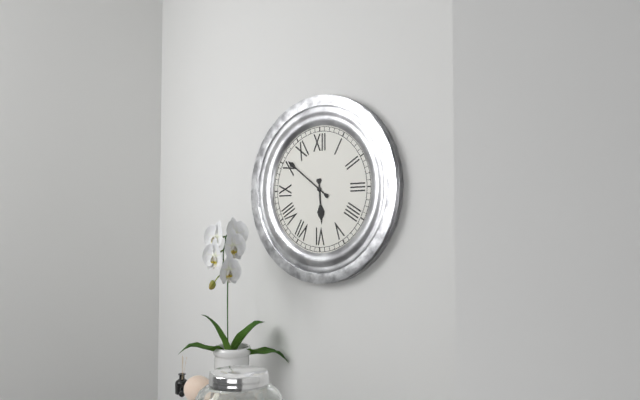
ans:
**5:51**
